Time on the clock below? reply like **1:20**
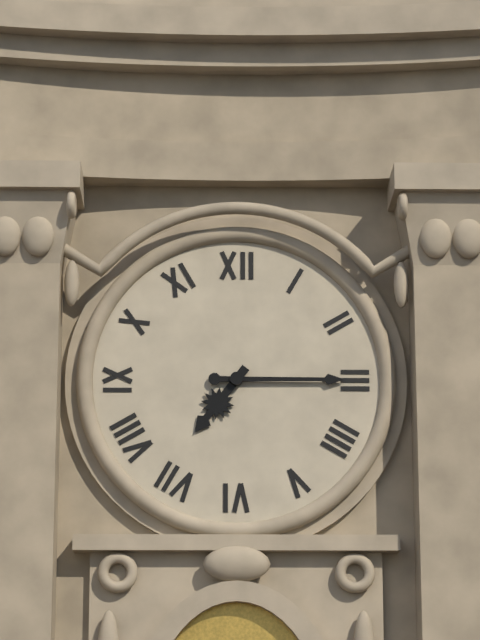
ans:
**7:15**
